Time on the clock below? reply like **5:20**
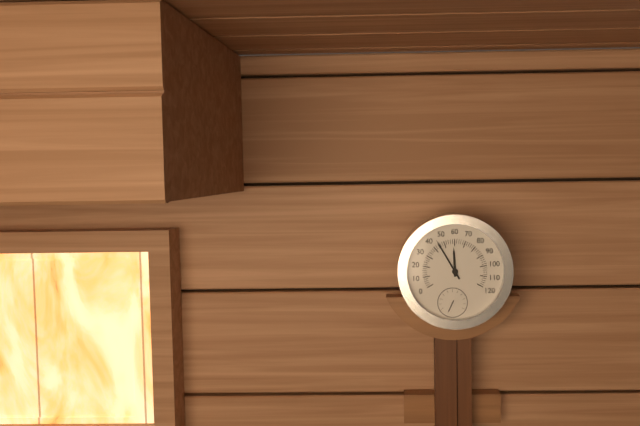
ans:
**11:55**
